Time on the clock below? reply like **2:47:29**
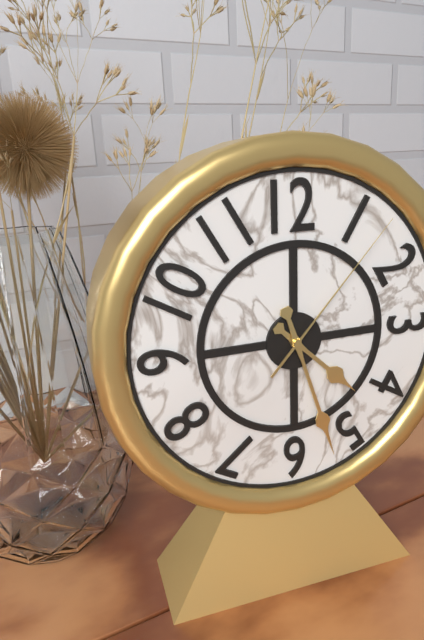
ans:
**4:27:07**
